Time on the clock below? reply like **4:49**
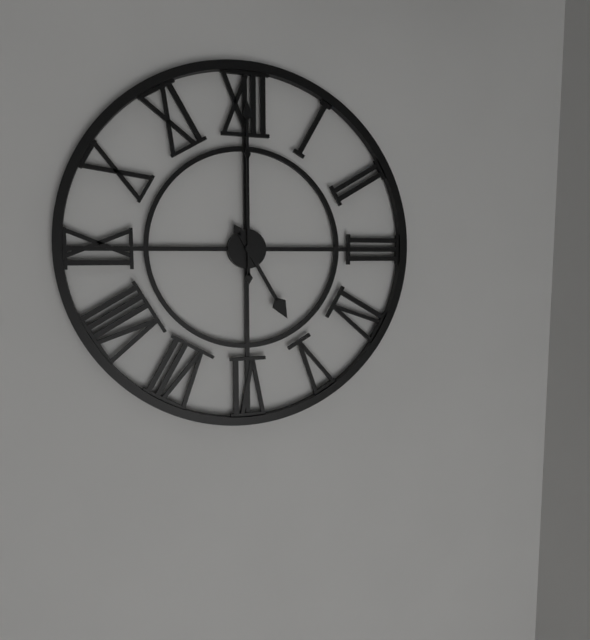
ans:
**5:00**
